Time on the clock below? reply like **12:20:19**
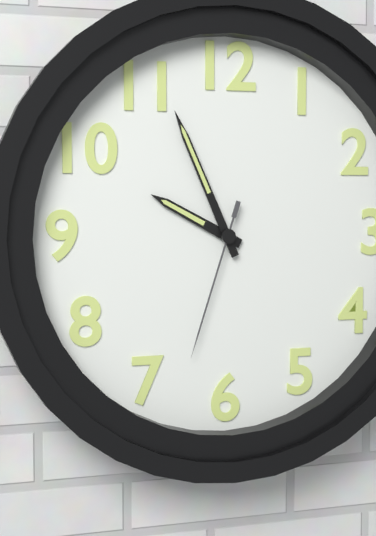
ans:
**9:56:33**
